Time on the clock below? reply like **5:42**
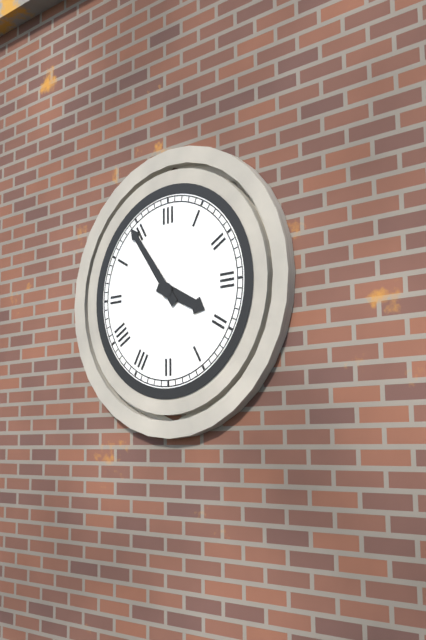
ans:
**3:54**
